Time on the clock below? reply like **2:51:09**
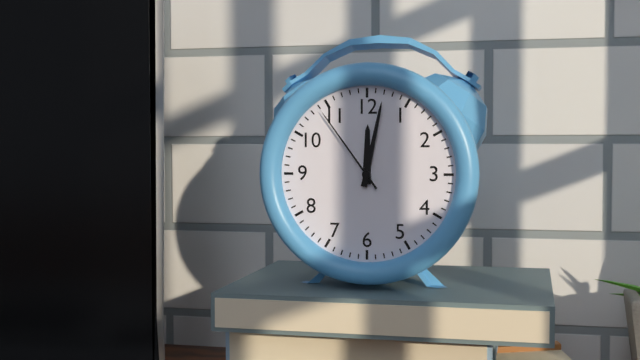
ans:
**12:02:54**
